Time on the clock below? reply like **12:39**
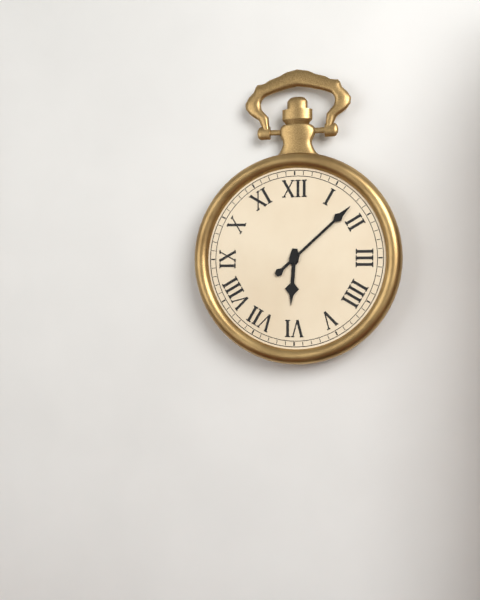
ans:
**6:08**
